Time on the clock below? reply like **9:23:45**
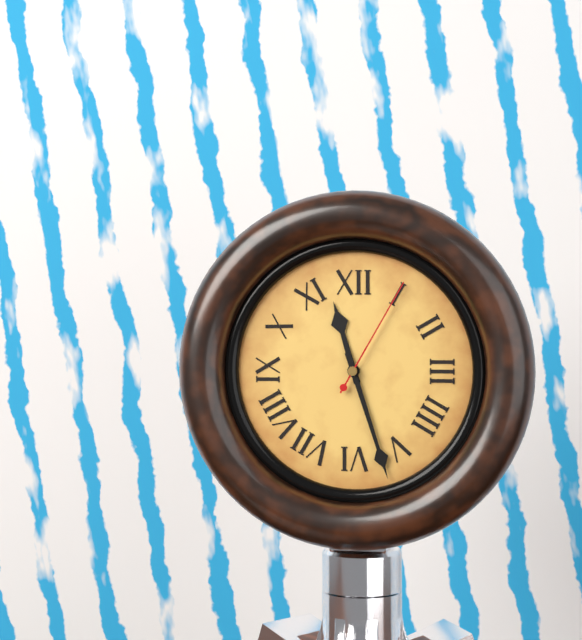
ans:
**11:27:05**
